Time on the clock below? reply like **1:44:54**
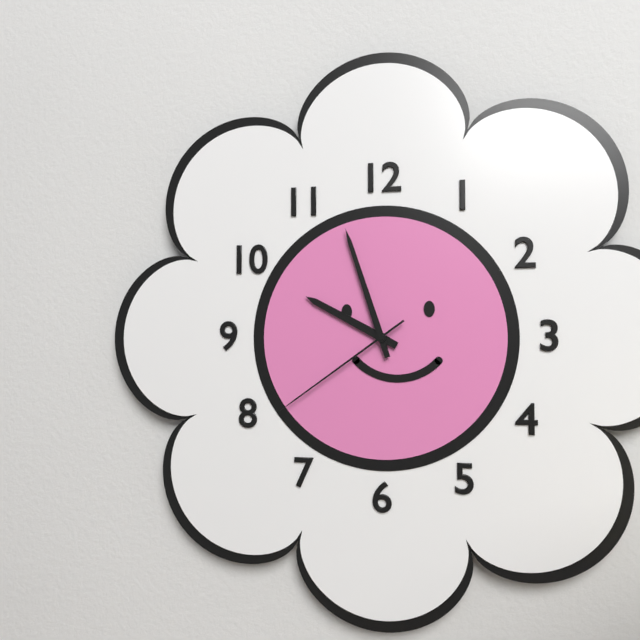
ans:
**9:57:39**
